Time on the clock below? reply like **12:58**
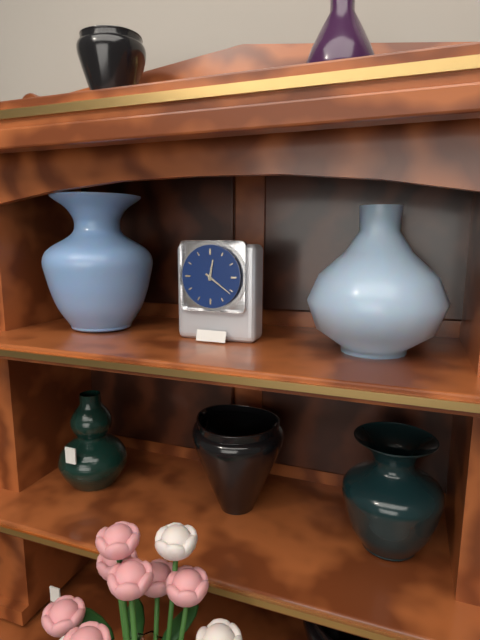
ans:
**12:21**
